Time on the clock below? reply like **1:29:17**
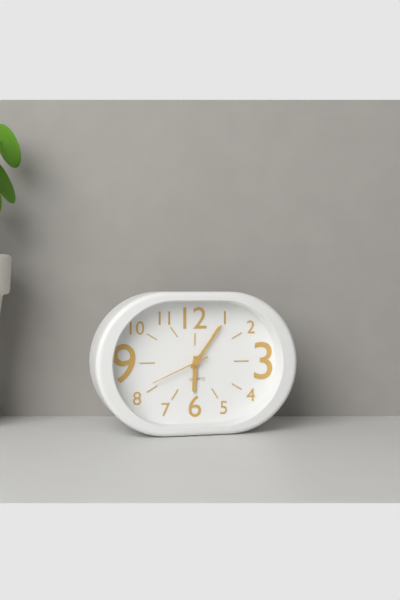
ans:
**6:06:41**
